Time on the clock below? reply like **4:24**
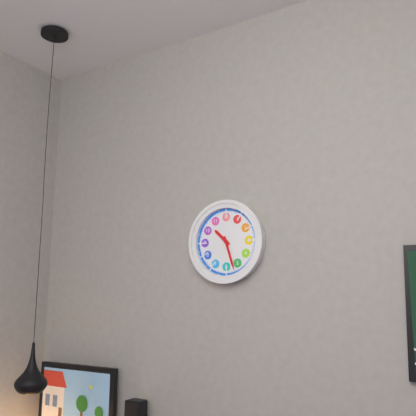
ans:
**10:27**
